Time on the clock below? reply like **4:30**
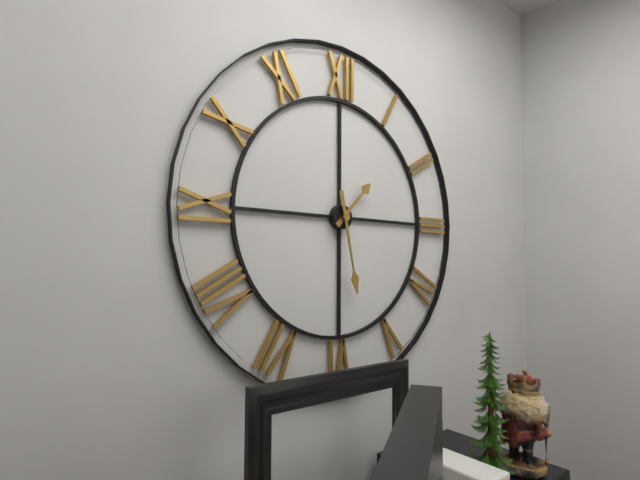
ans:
**1:28**
